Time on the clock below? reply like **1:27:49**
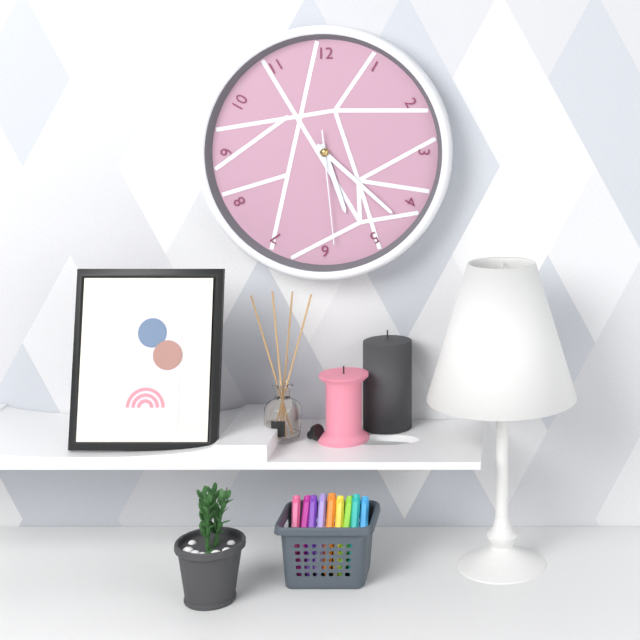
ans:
**5:22:29**
